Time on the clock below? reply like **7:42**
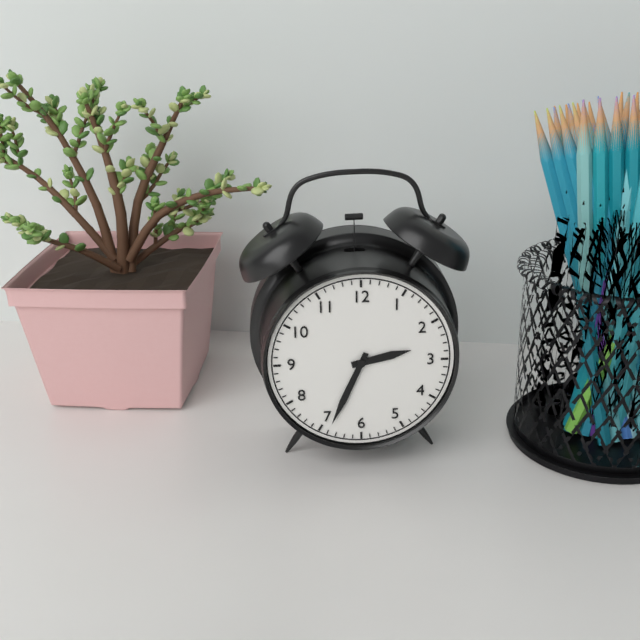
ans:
**2:34**
